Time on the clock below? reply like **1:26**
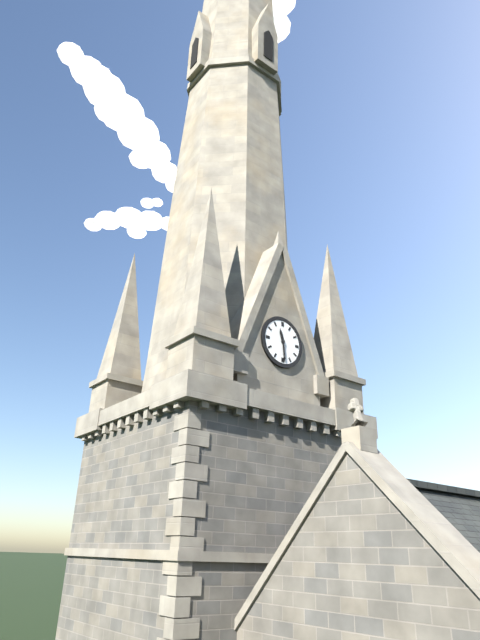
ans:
**11:29**
